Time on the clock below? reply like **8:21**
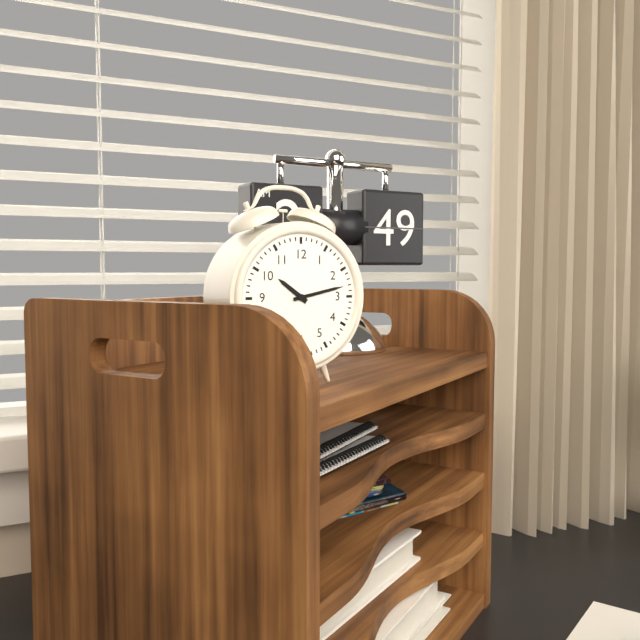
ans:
**10:13**
